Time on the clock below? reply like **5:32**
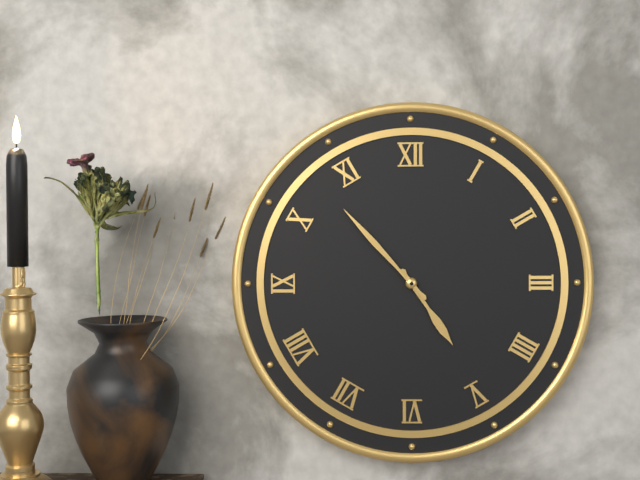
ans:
**4:53**
